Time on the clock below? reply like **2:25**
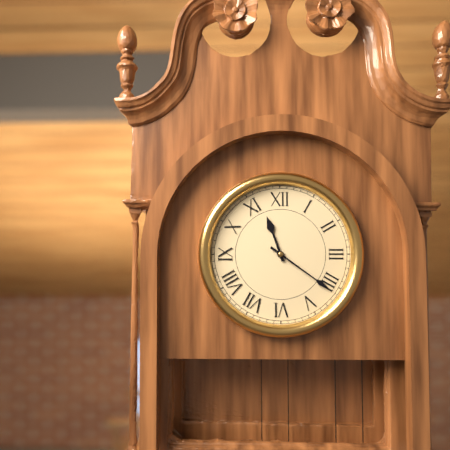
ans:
**11:21**
